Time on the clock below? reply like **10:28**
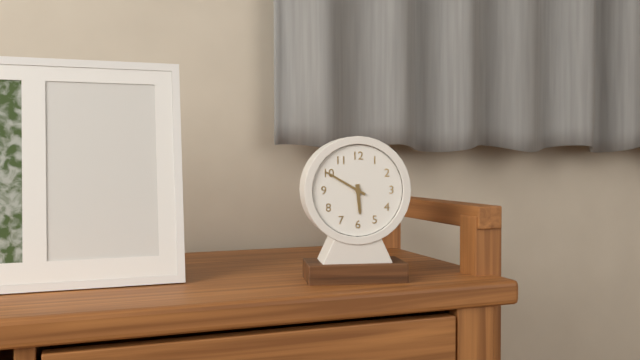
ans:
**5:50**
